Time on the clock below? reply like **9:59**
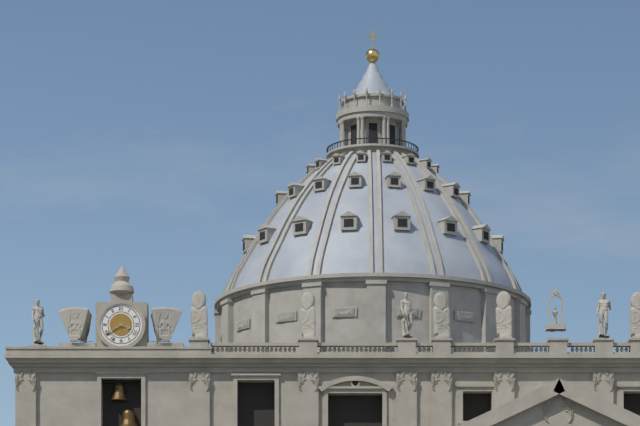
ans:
**3:40**
